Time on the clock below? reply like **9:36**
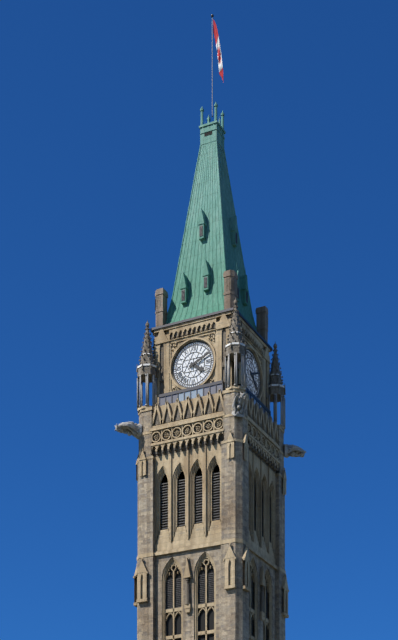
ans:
**4:11**
